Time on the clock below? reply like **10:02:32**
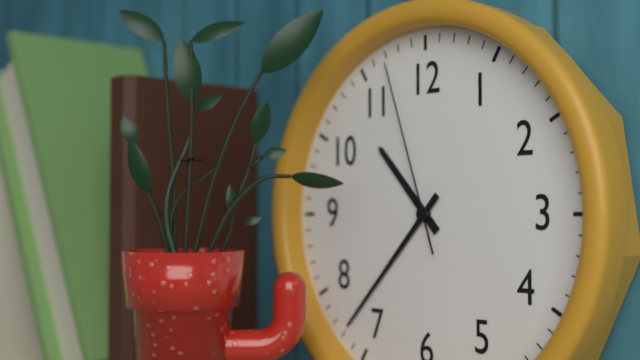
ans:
**10:37:57**
